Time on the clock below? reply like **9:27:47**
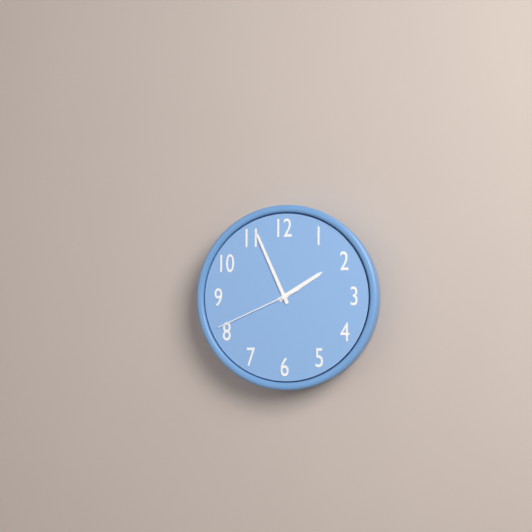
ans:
**1:56:41**
